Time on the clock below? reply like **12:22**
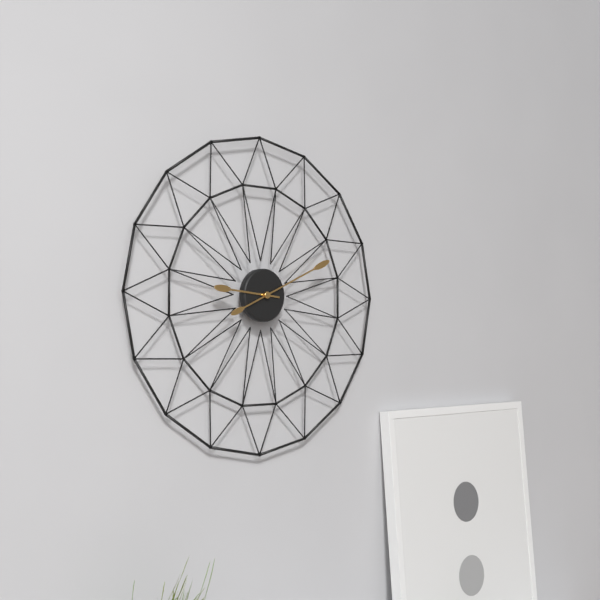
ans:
**9:11**
